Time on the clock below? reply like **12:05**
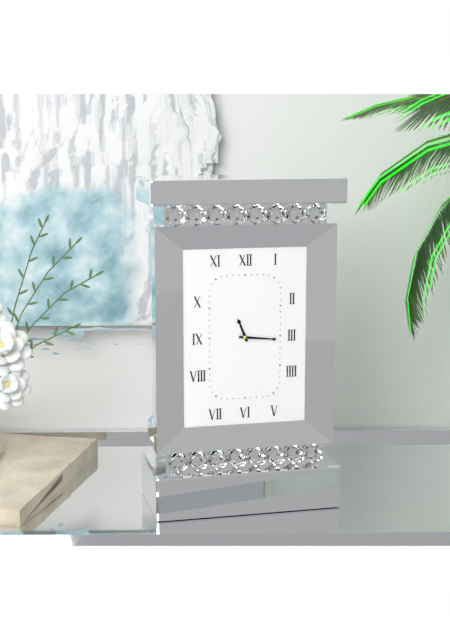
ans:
**11:16**
